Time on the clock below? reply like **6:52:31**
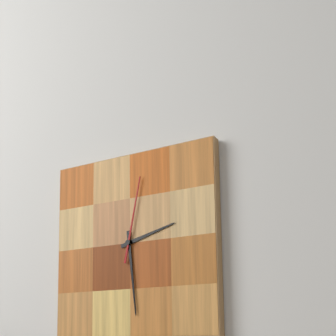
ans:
**2:29:02**
